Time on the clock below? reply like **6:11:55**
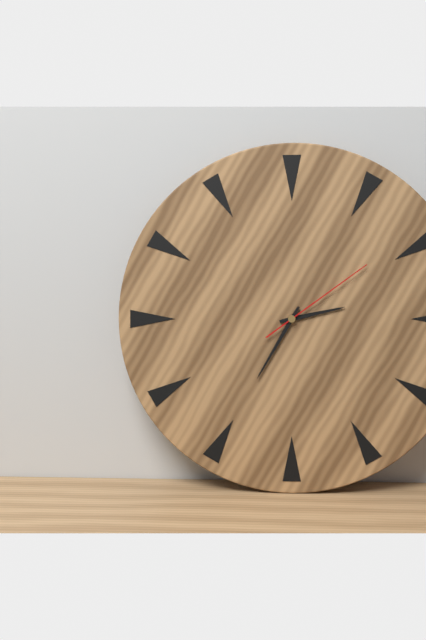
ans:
**2:35:09**
